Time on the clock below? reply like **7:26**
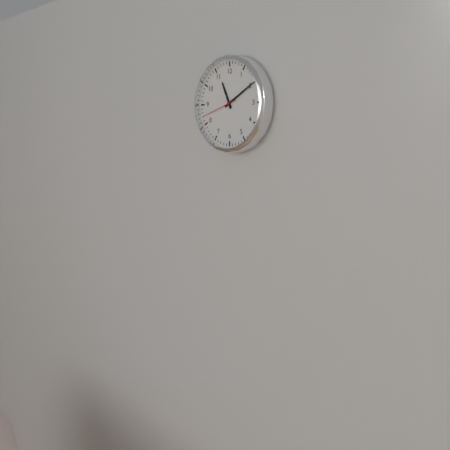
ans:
**11:10**
